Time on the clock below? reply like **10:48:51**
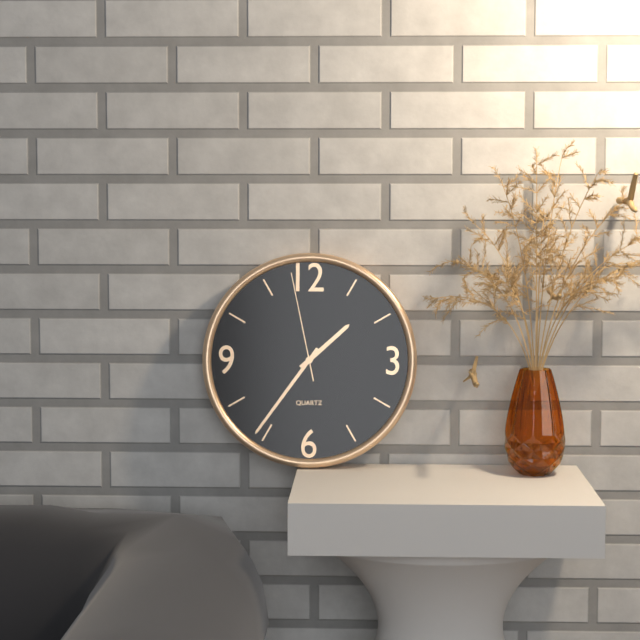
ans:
**1:36:58**
